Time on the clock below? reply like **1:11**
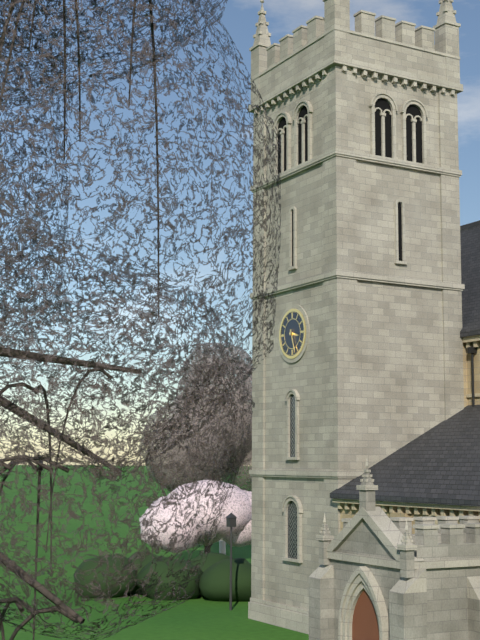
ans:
**3:27**
